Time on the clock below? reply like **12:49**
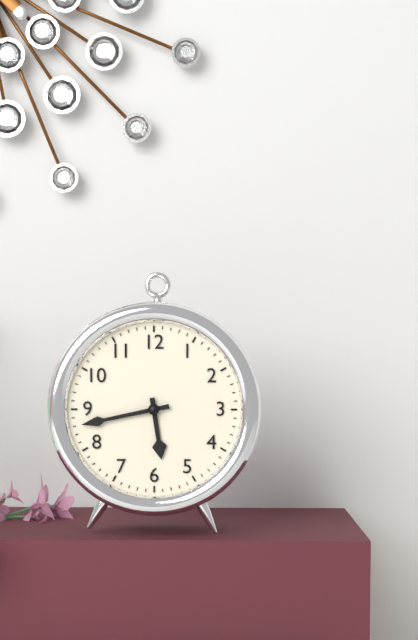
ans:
**5:43**
